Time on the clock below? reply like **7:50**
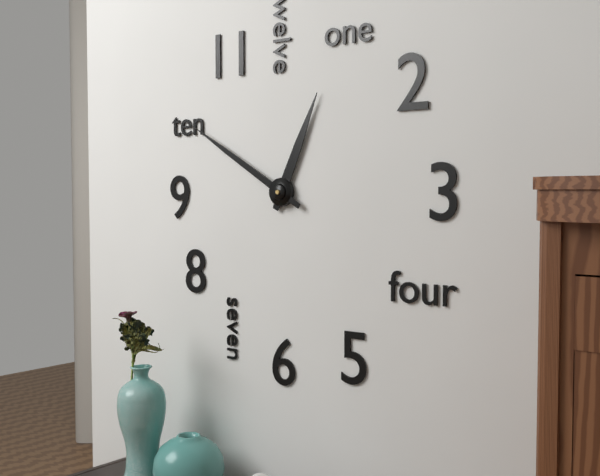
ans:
**12:50**
